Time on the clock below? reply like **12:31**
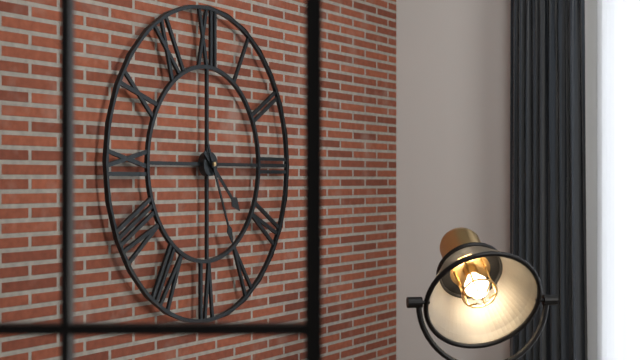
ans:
**4:26**
